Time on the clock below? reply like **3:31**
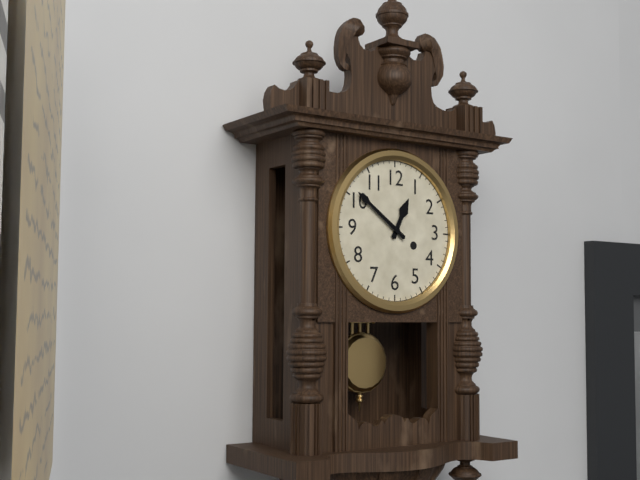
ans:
**12:51**
